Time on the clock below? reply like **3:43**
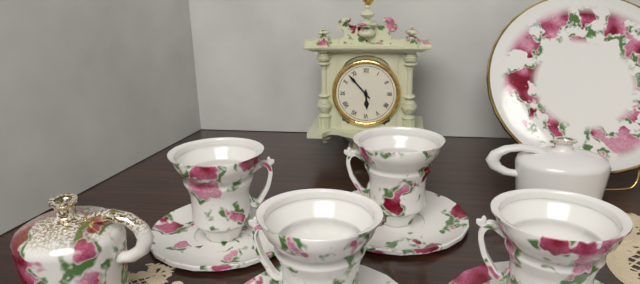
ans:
**5:53**
